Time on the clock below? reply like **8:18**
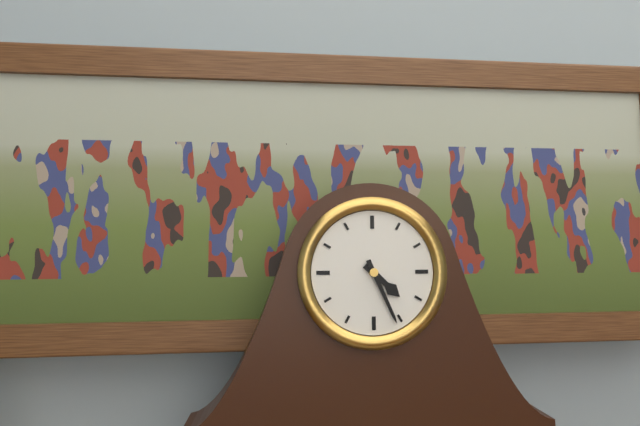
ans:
**4:26**
